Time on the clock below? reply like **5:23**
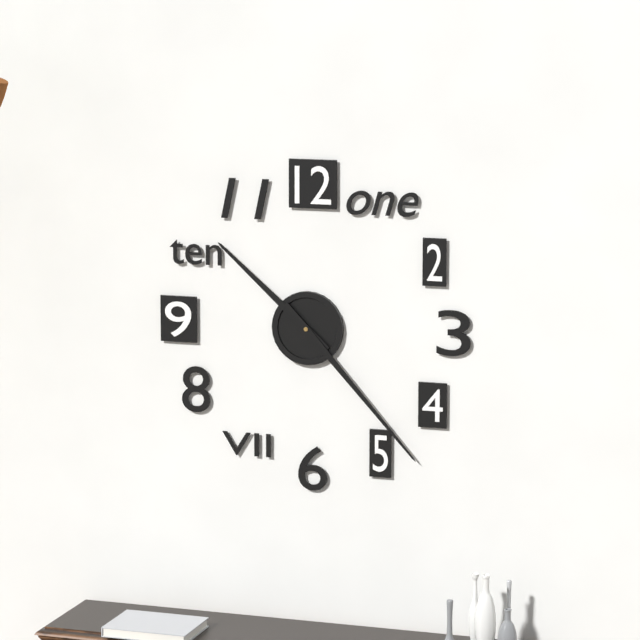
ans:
**10:23**
